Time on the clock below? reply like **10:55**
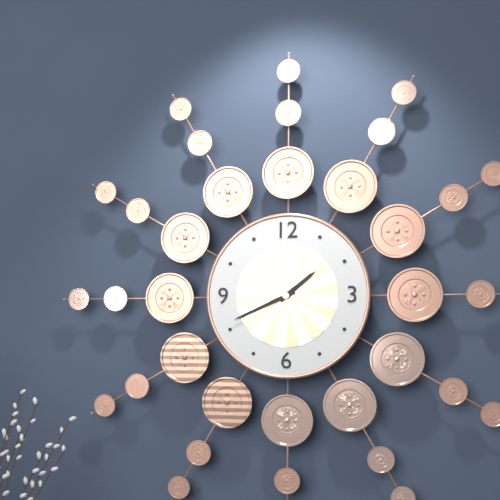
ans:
**1:41**
